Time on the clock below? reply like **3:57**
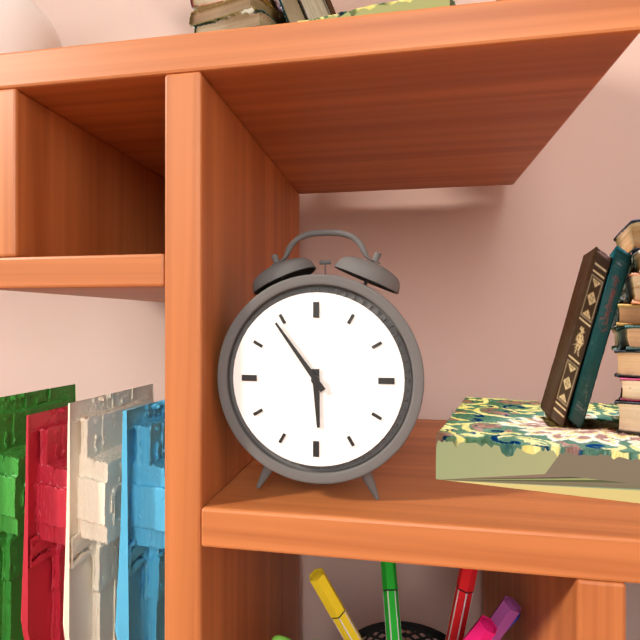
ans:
**5:54**
